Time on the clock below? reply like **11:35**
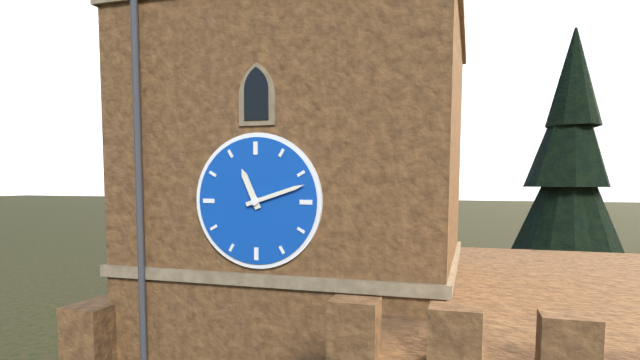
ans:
**11:12**
